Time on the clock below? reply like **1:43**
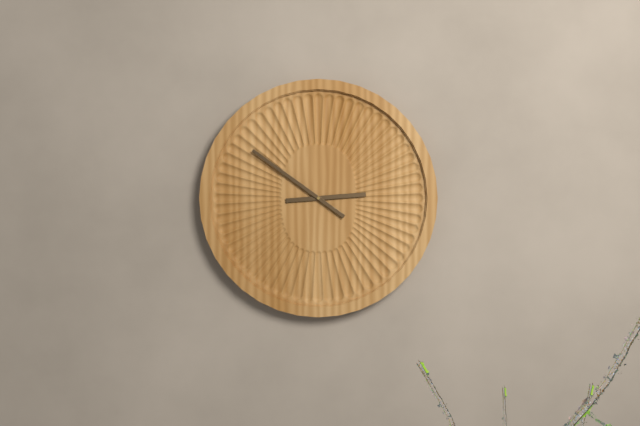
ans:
**2:51**
